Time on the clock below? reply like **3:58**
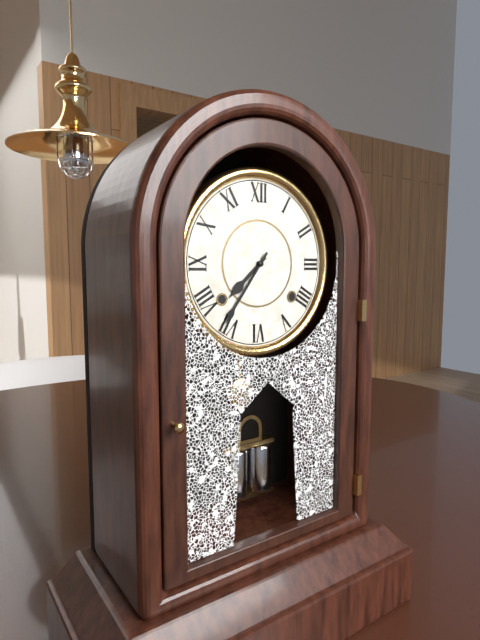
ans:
**7:36**
